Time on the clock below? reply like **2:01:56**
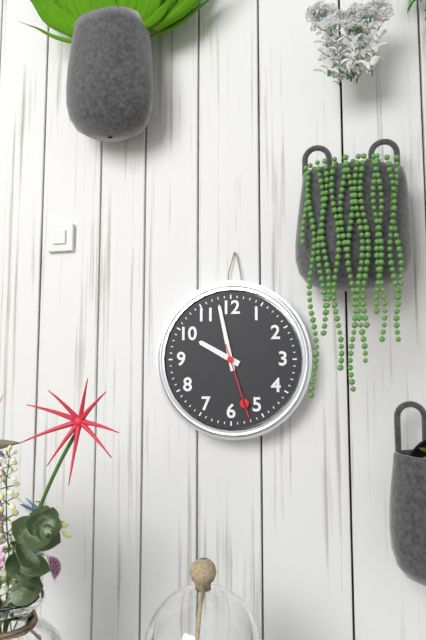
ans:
**9:58:27**
